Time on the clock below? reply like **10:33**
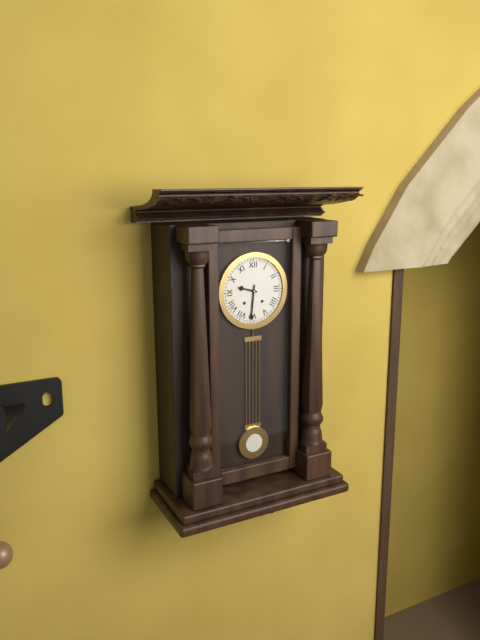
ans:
**9:31**
